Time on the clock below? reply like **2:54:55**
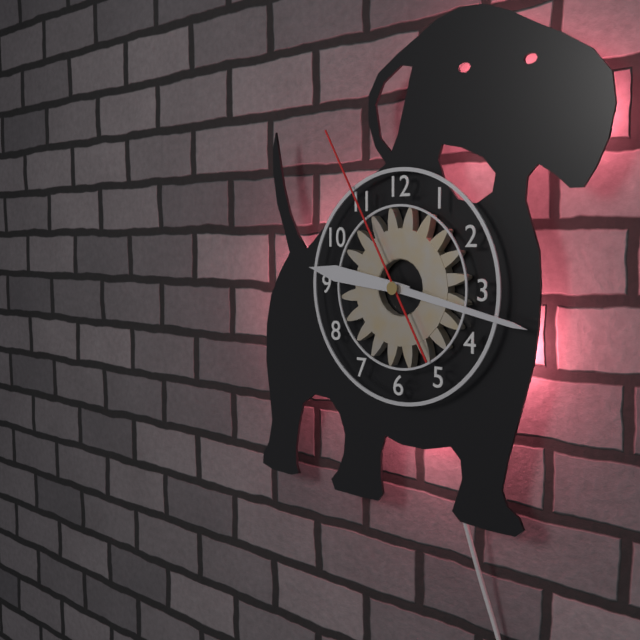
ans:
**9:17:55**
